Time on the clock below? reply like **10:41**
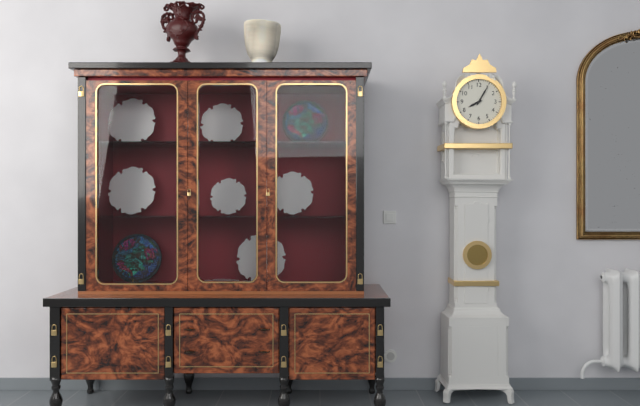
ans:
**8:05**
